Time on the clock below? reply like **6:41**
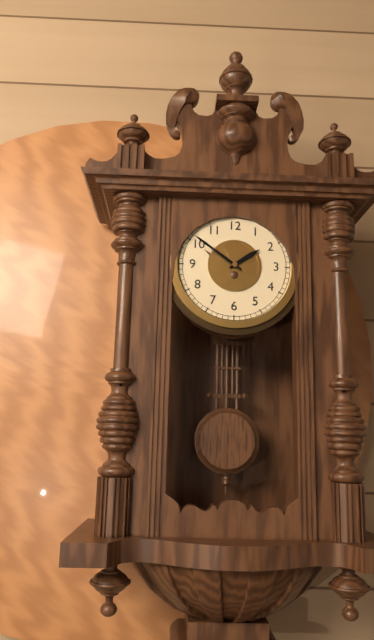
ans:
**1:51**
